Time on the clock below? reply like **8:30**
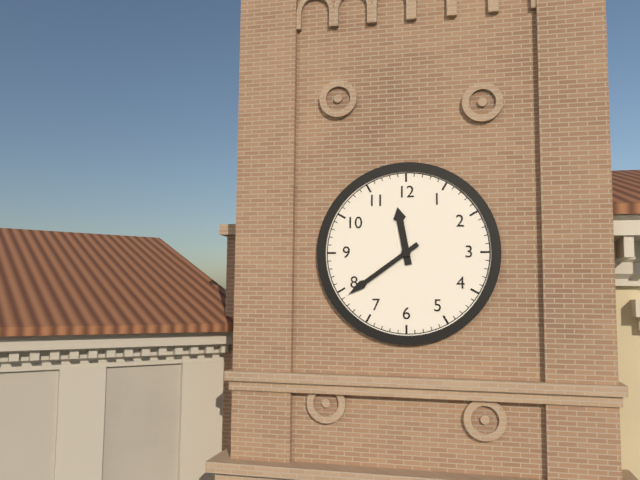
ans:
**11:39**
